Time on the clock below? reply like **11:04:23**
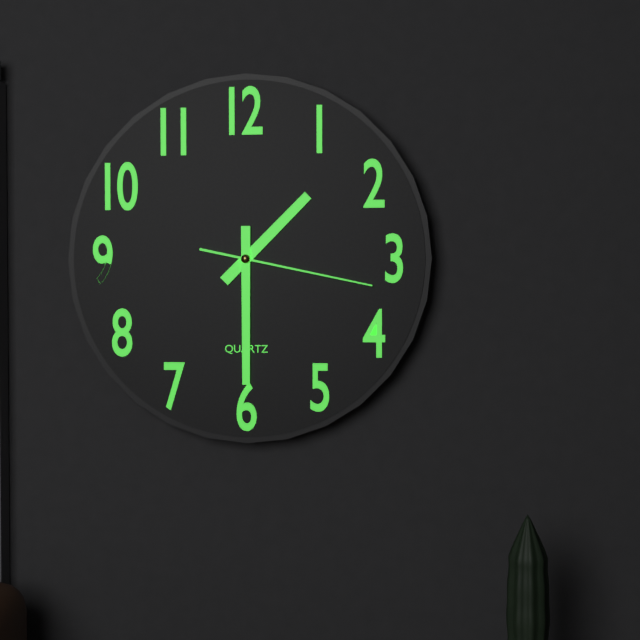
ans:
**1:30:17**
